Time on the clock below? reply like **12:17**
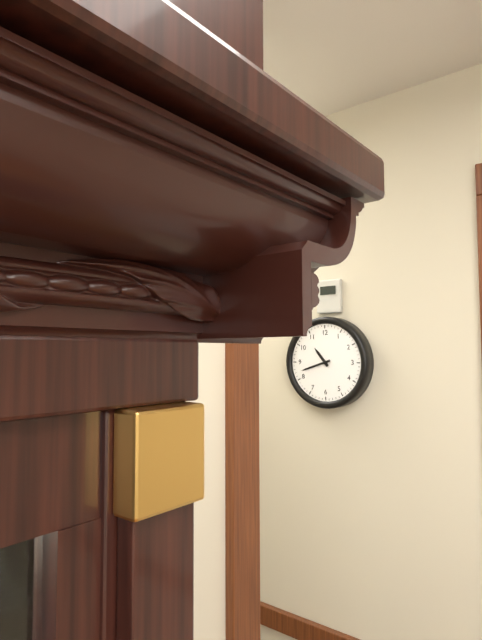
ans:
**10:42**
